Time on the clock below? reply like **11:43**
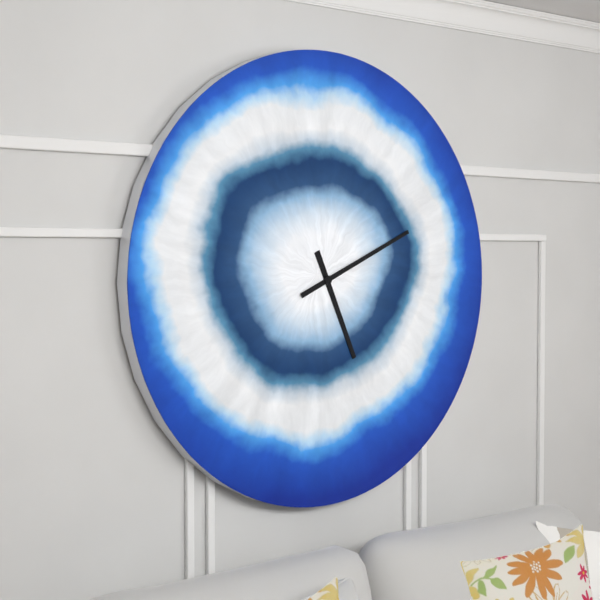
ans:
**5:11**
